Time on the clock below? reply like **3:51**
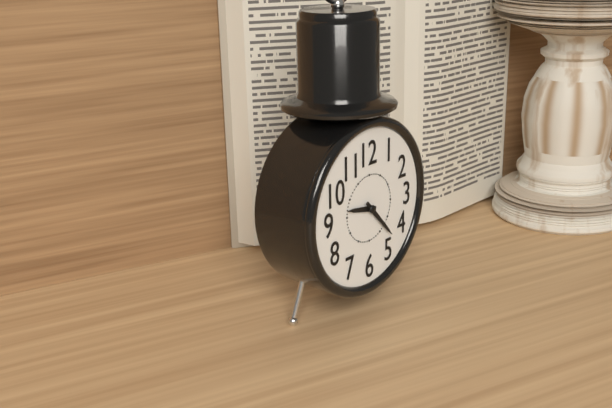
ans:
**9:23**
